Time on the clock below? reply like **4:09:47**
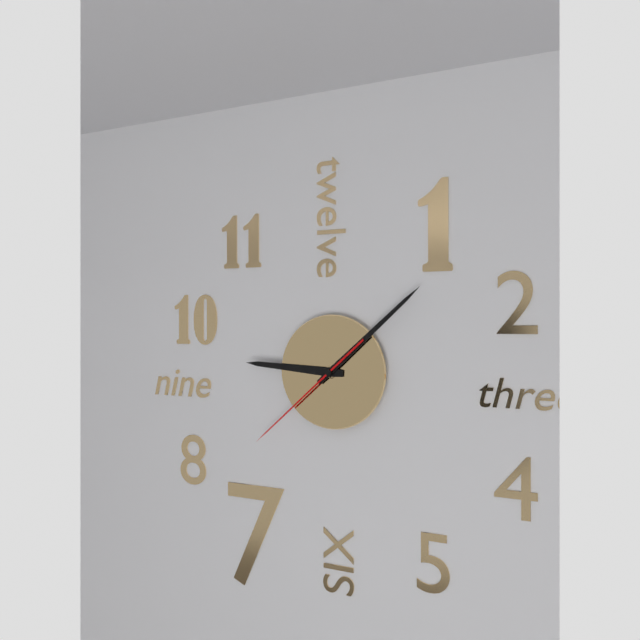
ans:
**9:08:38**
